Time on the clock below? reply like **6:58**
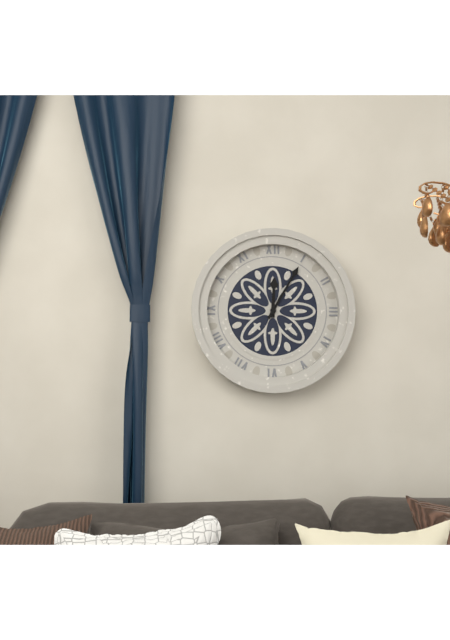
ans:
**12:05**
